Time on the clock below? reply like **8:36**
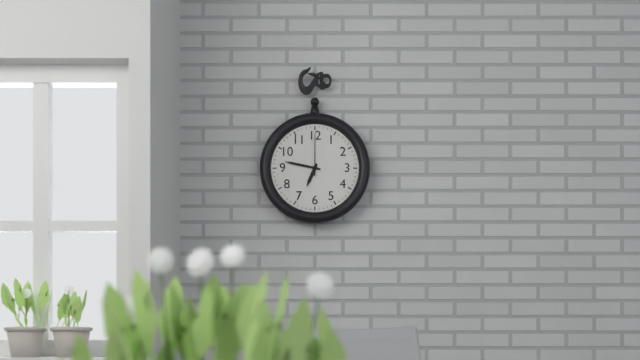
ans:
**6:47**
